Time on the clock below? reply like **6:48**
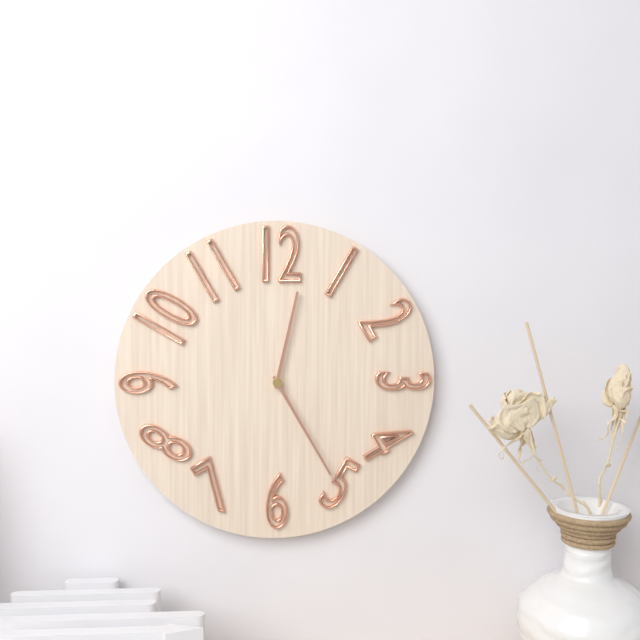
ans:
**12:25**
